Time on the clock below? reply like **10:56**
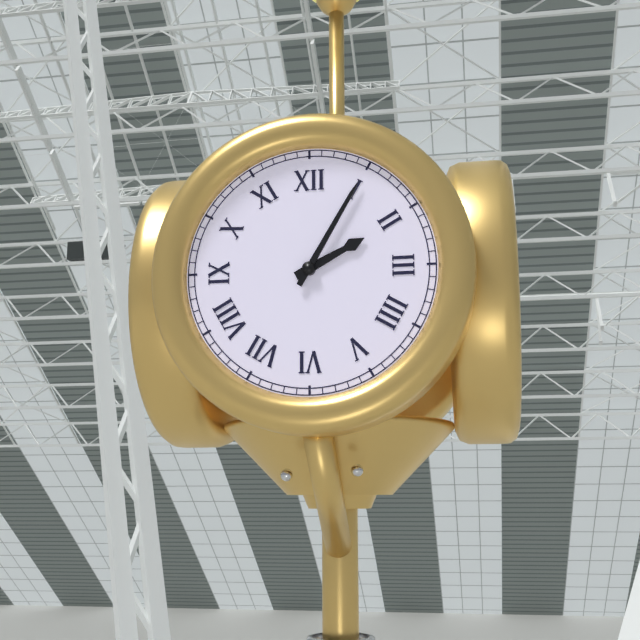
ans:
**2:05**
